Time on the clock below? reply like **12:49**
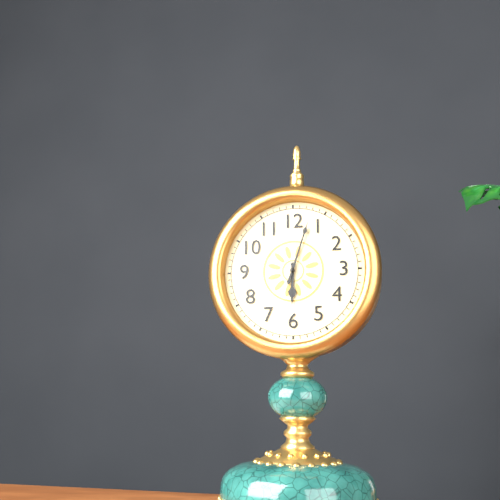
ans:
**6:03**
